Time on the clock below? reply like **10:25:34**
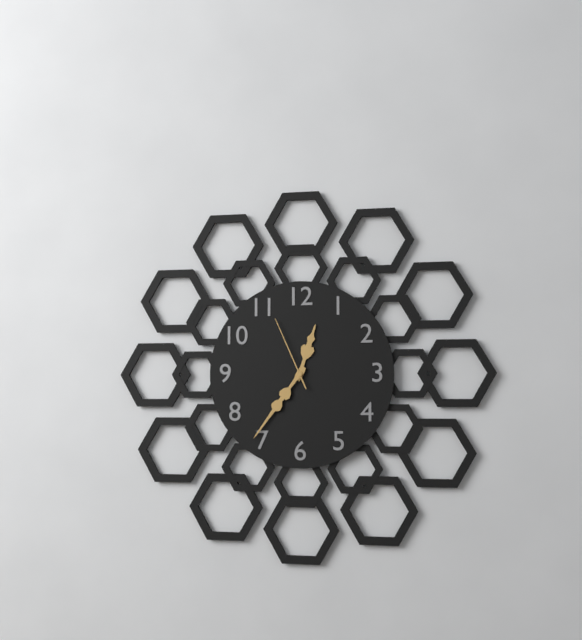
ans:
**12:36:56**
